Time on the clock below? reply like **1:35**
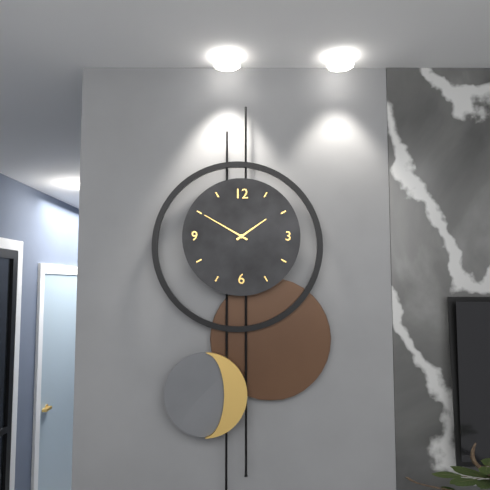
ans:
**1:50**
